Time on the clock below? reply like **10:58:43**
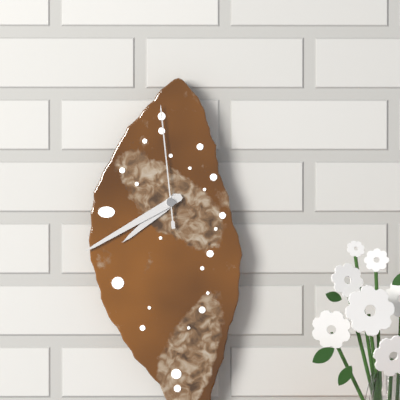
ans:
**7:40:59**
